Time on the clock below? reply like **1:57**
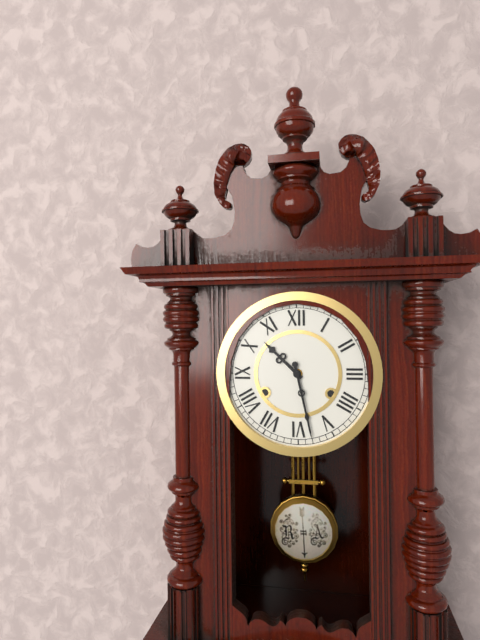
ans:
**10:28**
